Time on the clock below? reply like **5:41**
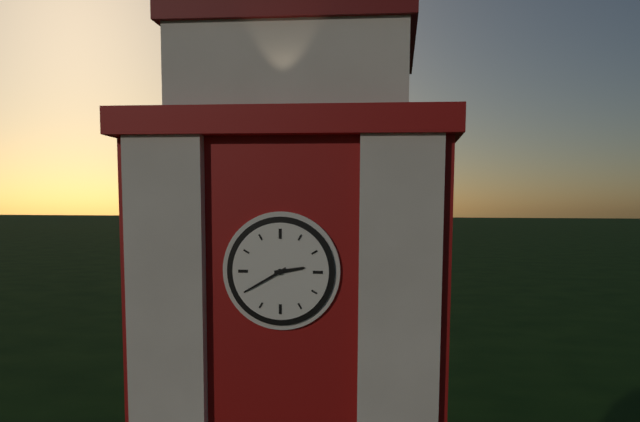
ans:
**2:40**
